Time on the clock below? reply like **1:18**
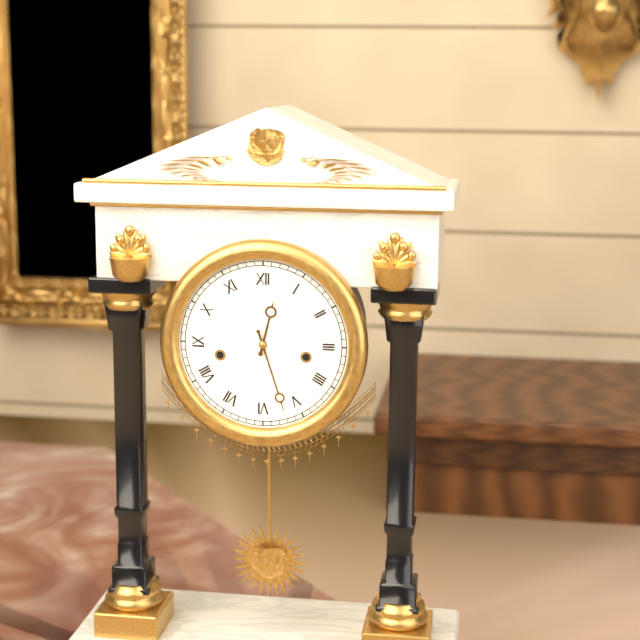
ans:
**12:27**
